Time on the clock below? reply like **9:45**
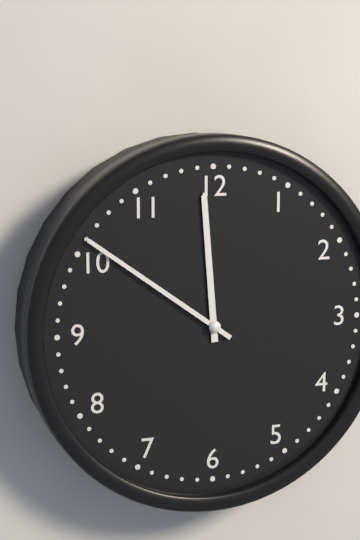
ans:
**11:51**
